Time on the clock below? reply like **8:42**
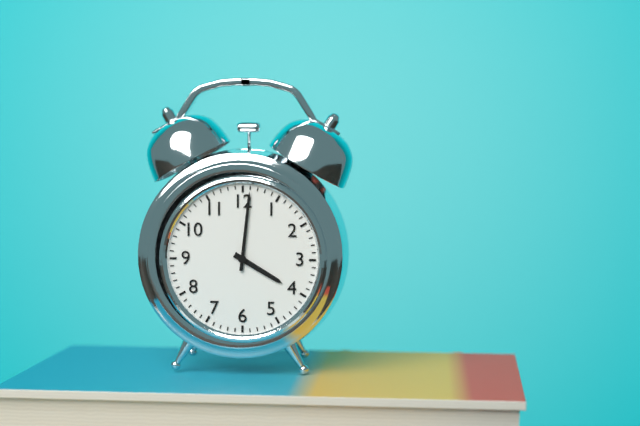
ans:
**4:01**
